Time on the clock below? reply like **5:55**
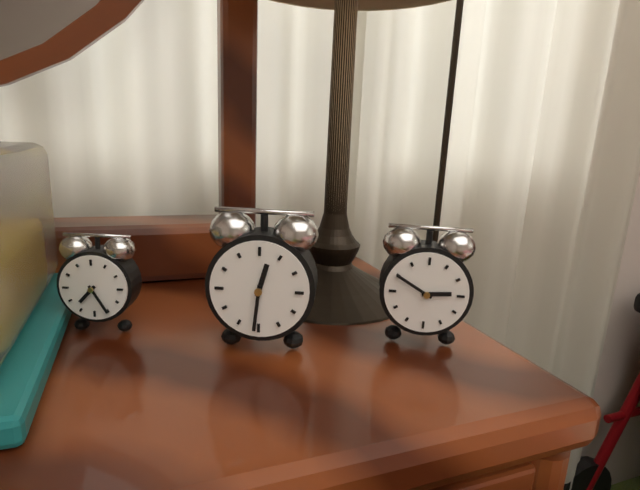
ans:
**12:31**
